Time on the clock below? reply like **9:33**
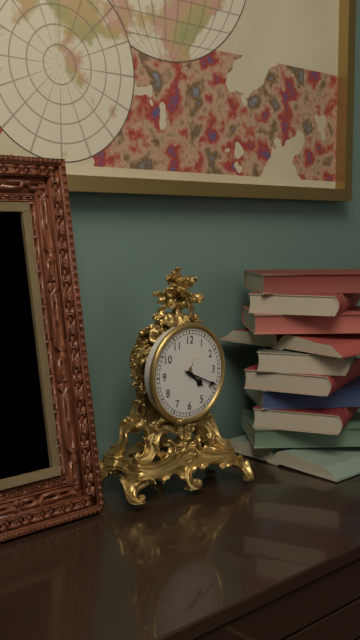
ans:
**4:19**
